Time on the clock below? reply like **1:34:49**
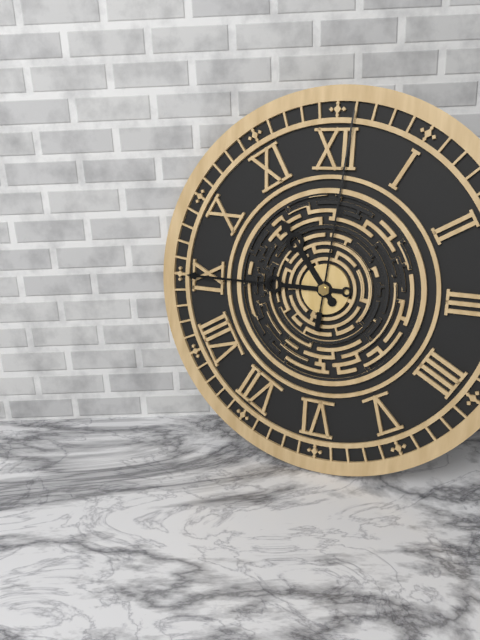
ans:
**10:45:01**
